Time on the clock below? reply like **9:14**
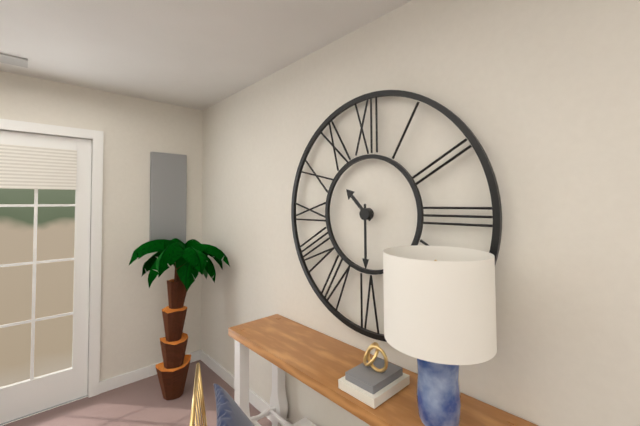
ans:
**10:30**
